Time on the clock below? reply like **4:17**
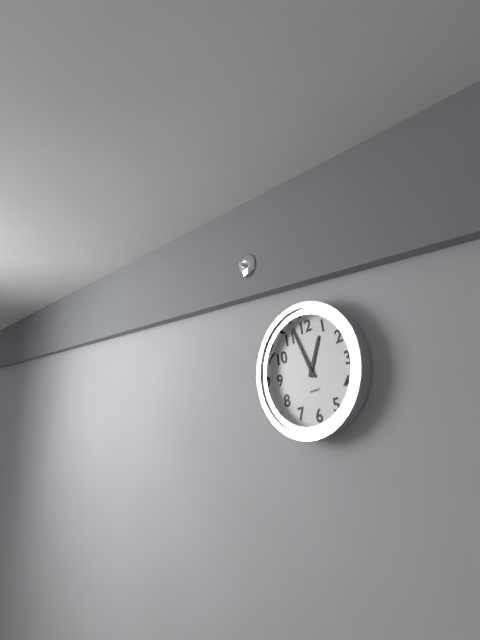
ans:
**12:57**
